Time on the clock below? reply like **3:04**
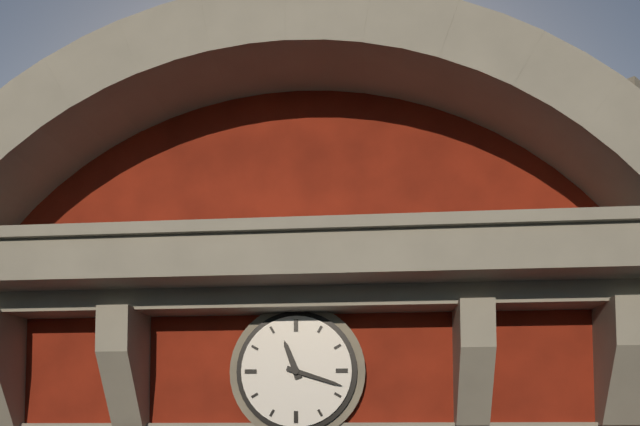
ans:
**11:18**
